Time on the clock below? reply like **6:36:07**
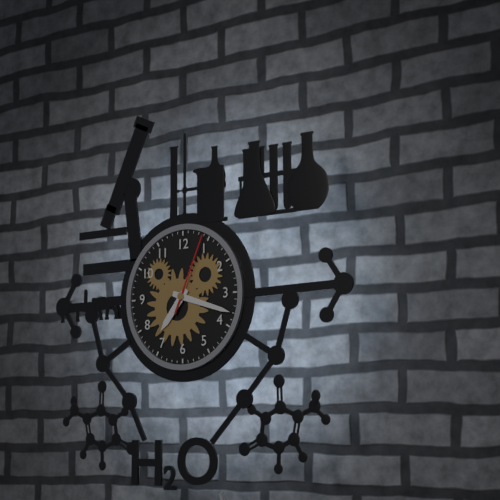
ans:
**7:18:04**
